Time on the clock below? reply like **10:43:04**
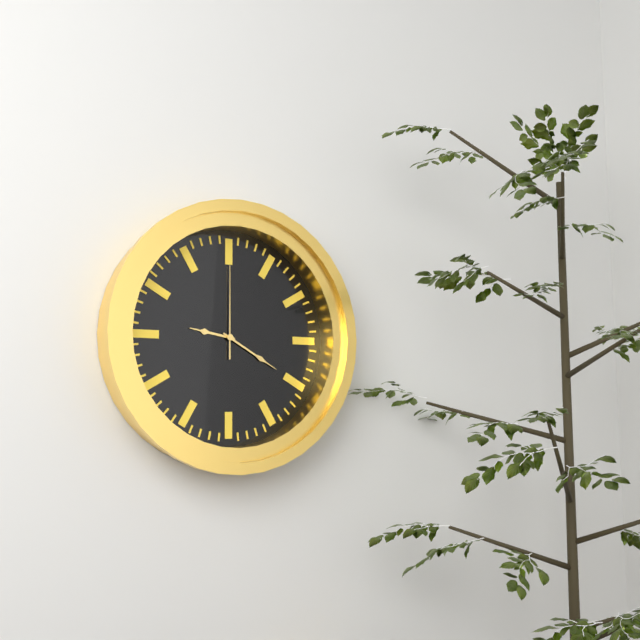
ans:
**9:20:00**
